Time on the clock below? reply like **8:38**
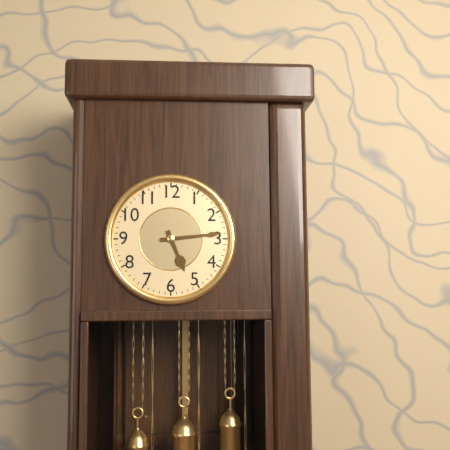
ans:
**5:14**
